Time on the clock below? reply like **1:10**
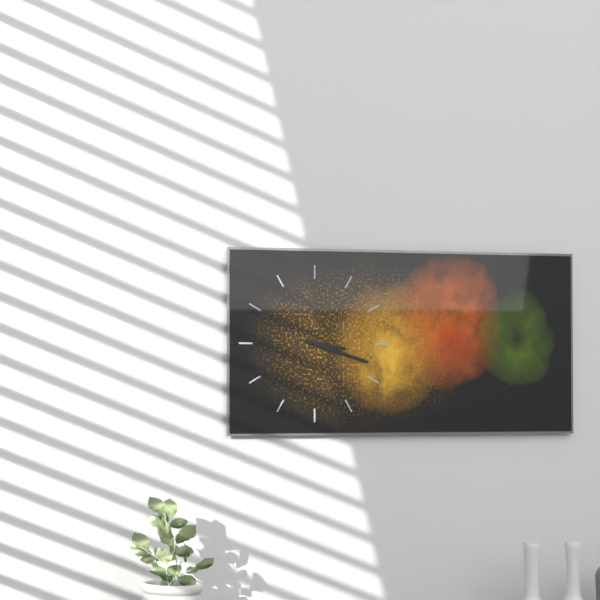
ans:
**3:18**
